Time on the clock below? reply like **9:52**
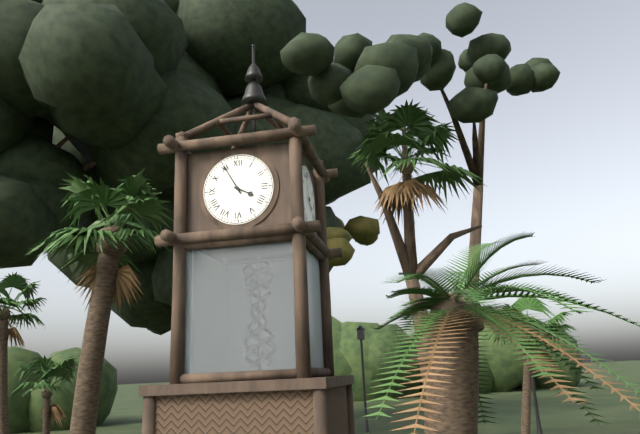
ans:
**3:55**
